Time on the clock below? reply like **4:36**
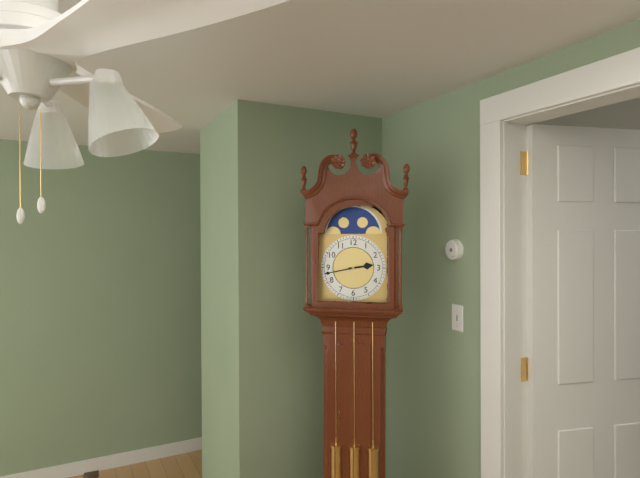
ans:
**2:43**
